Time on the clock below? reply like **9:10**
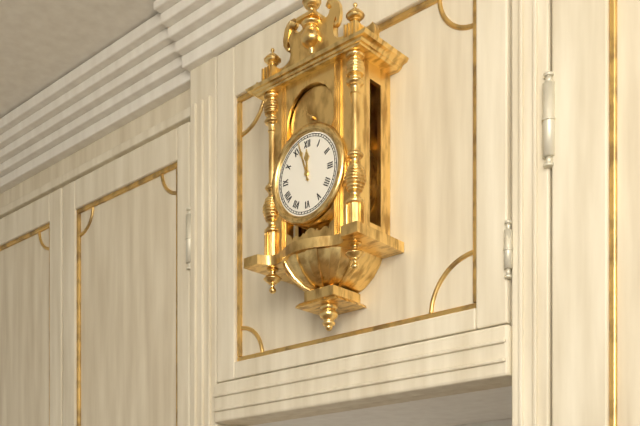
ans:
**11:57**
